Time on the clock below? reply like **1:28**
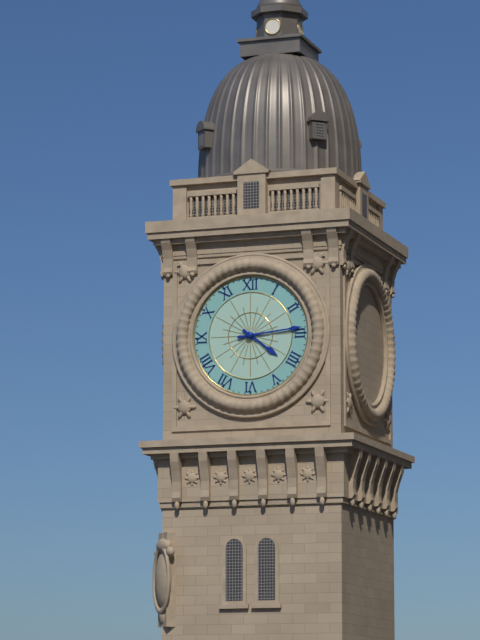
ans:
**4:14**
